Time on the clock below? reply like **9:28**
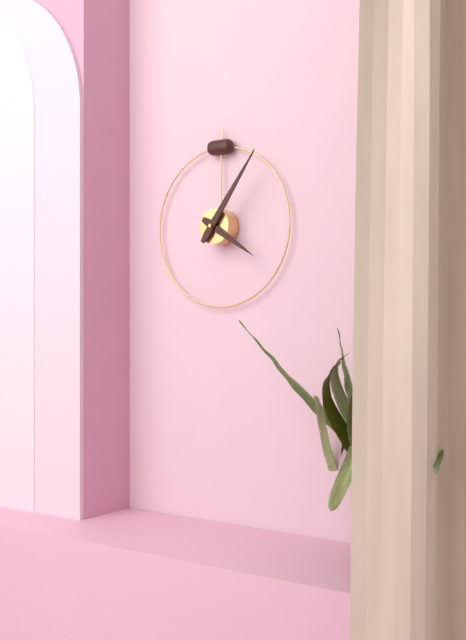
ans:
**4:06**
